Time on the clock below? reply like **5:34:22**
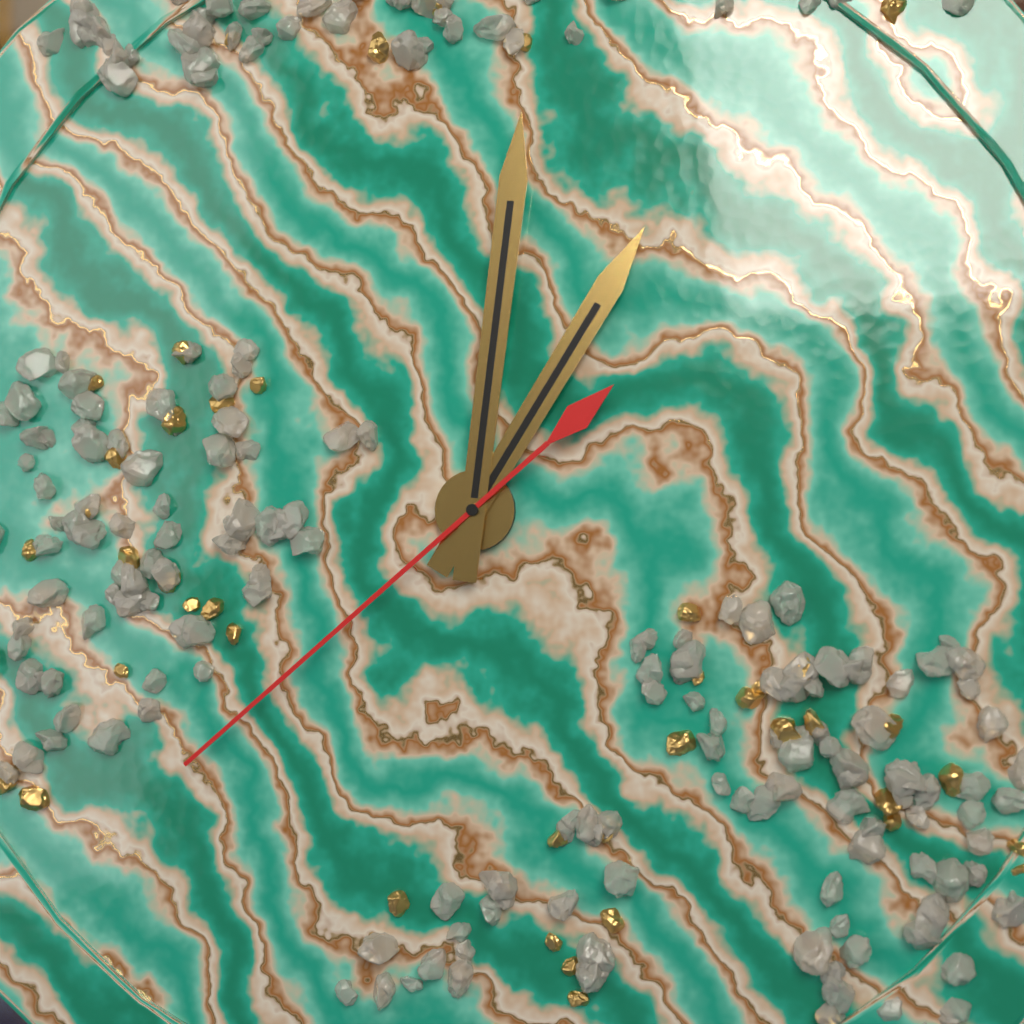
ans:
**1:01:38**
